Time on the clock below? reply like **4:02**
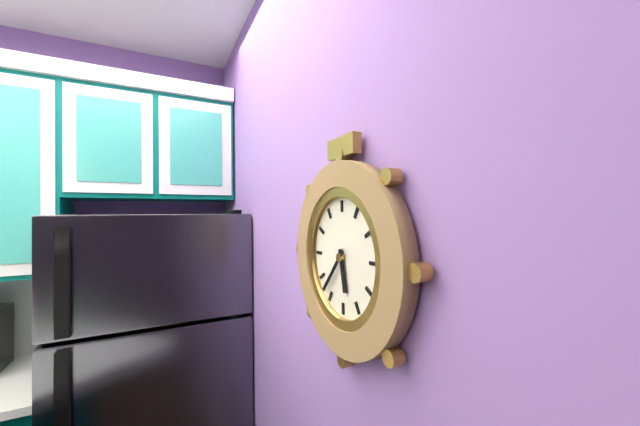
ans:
**5:37**
